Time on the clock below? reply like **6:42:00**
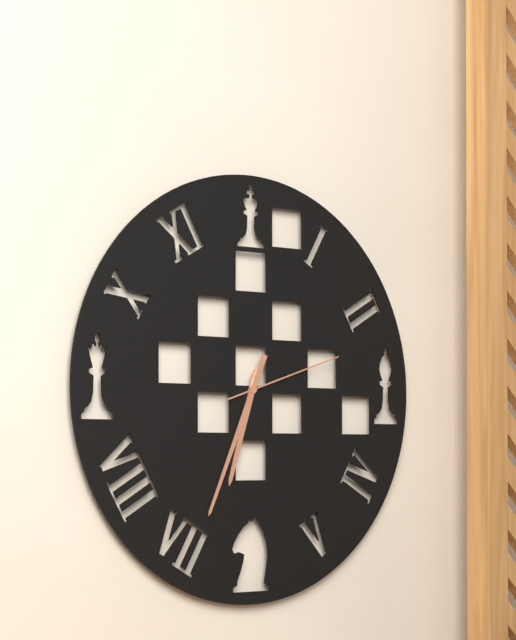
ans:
**6:34:12**
